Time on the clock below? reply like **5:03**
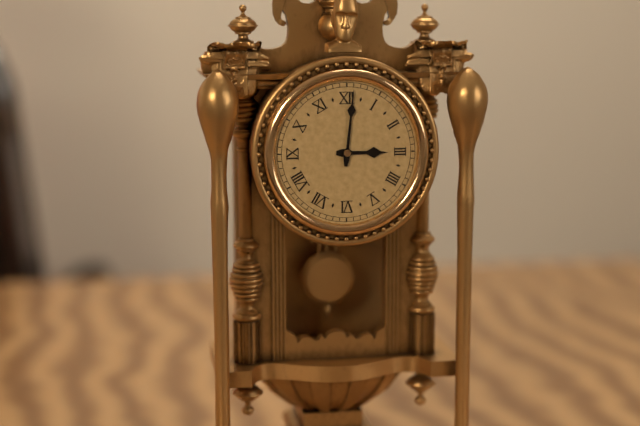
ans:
**3:01**
